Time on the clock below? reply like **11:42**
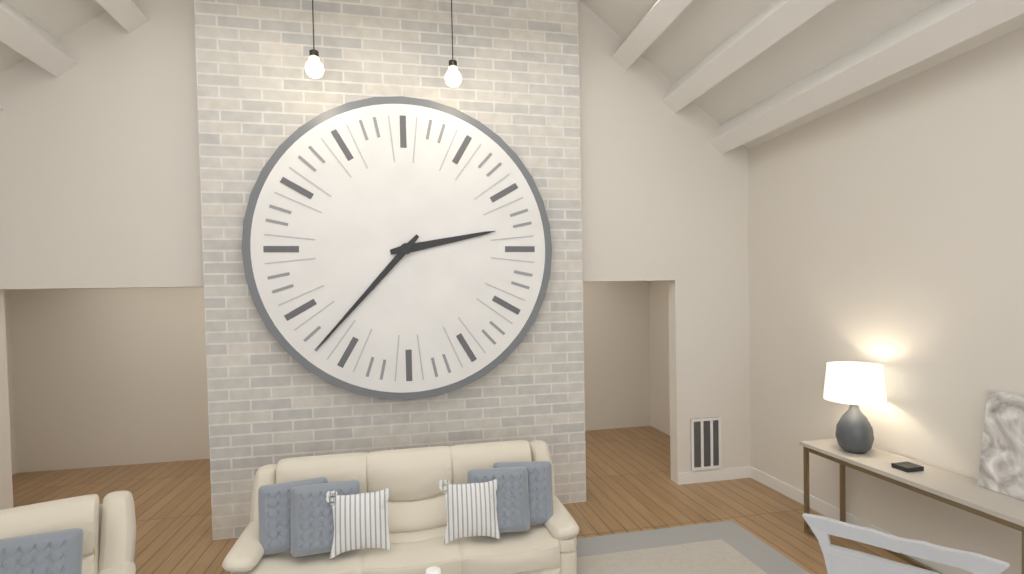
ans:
**2:37**
